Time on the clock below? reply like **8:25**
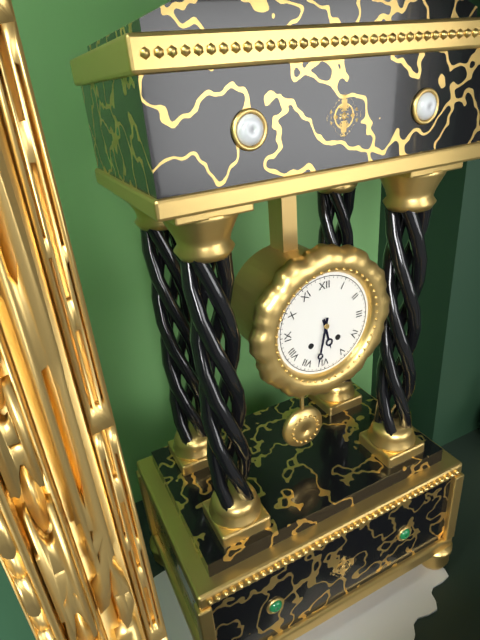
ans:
**5:32**
